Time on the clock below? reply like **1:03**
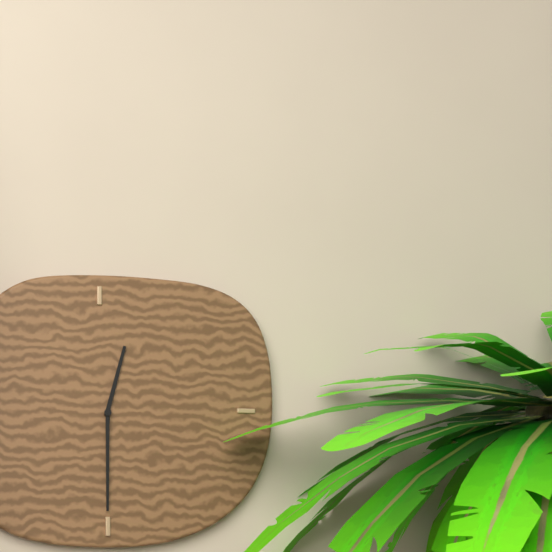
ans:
**12:30**
